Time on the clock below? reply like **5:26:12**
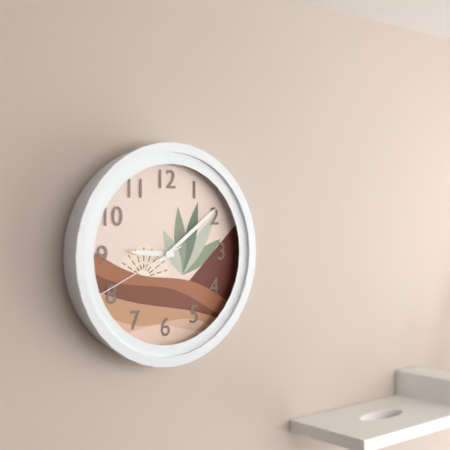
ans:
**9:09:41**
